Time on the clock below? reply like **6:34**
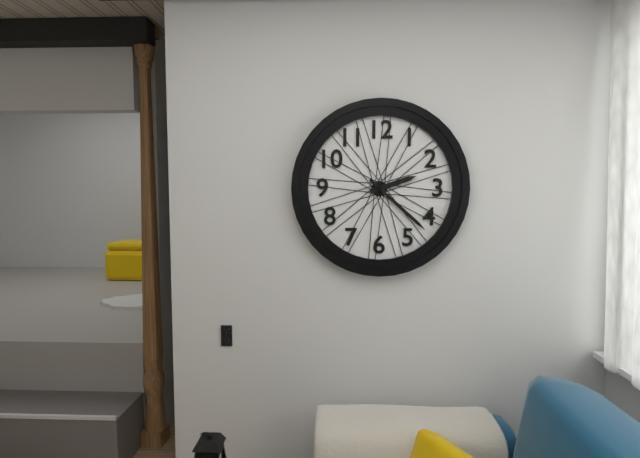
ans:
**2:22**
